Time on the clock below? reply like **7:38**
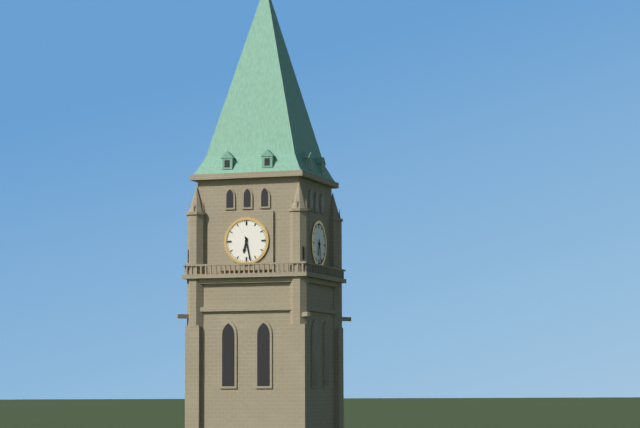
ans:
**6:28**
